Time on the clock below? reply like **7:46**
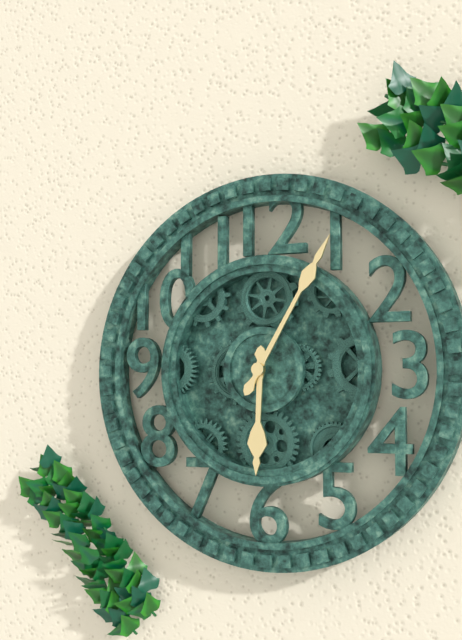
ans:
**6:05**
